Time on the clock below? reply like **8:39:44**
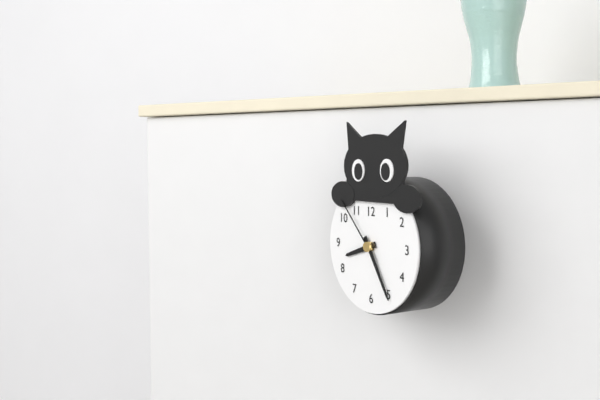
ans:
**8:25:53**
